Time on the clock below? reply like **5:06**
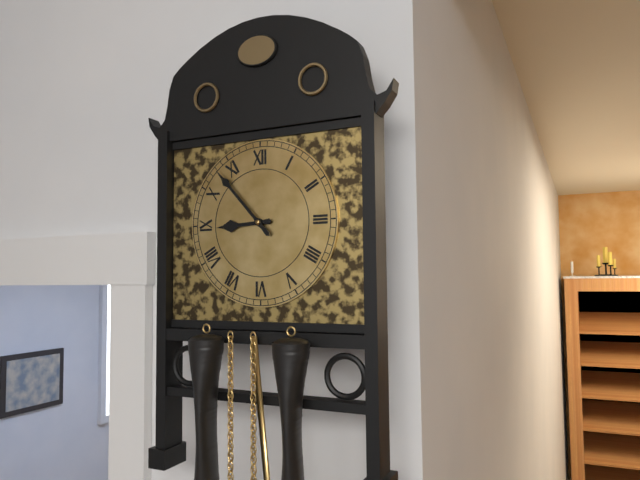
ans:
**8:53**
